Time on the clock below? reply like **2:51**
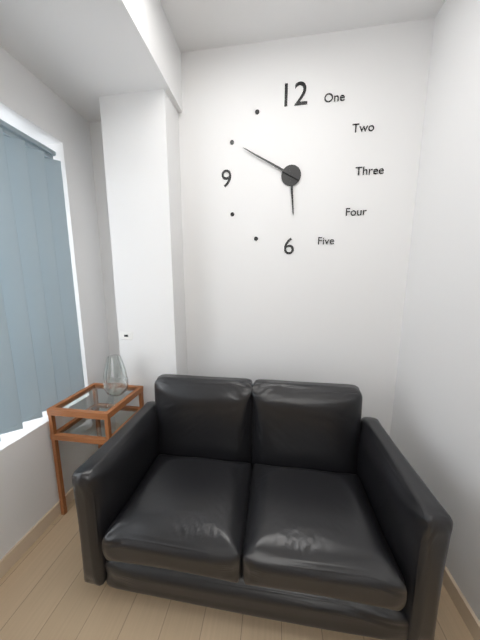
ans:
**5:50**
